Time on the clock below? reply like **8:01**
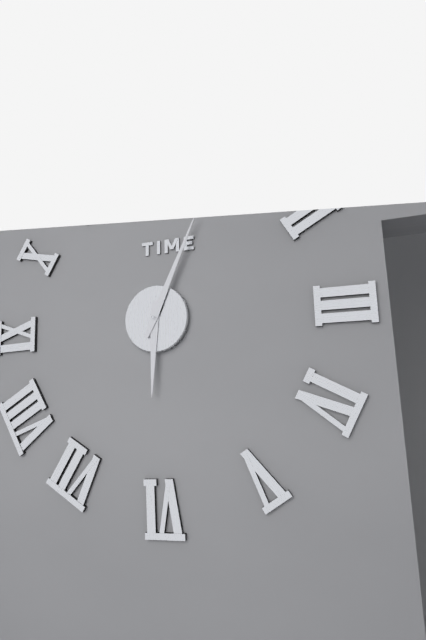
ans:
**6:04**
